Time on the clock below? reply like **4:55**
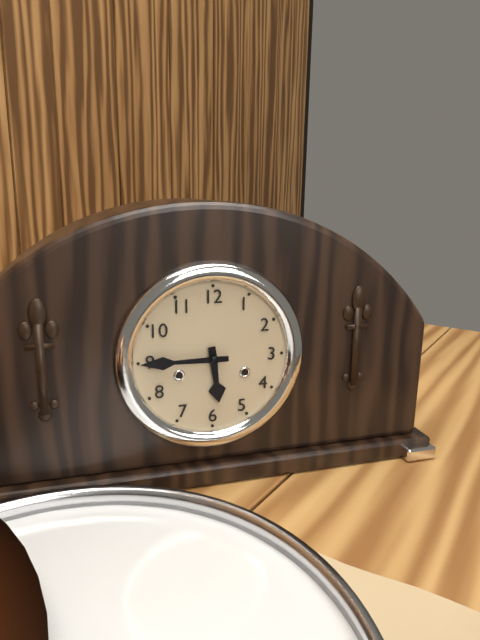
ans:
**5:45**
